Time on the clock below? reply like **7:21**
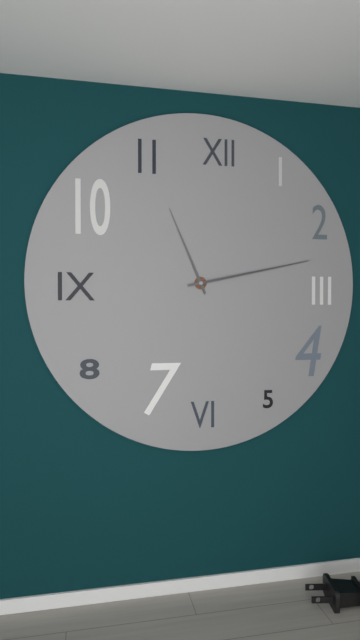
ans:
**11:13**
